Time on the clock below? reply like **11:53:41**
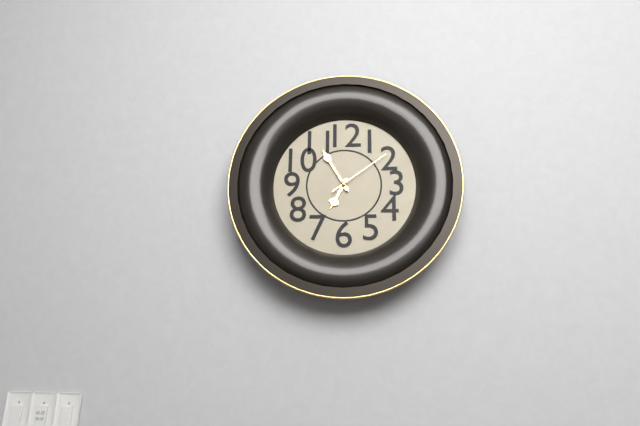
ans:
**6:55:09**
